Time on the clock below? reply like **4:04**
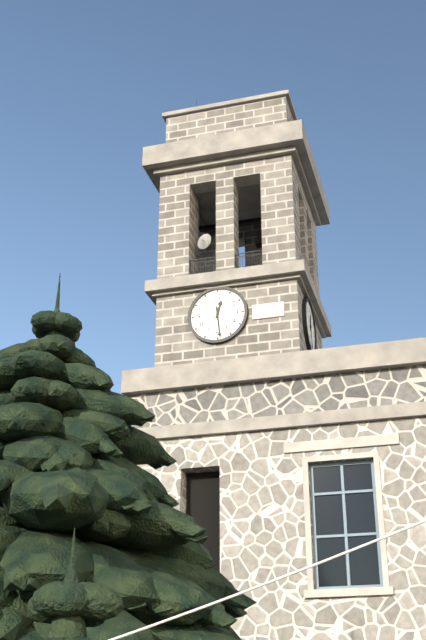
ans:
**12:29**
